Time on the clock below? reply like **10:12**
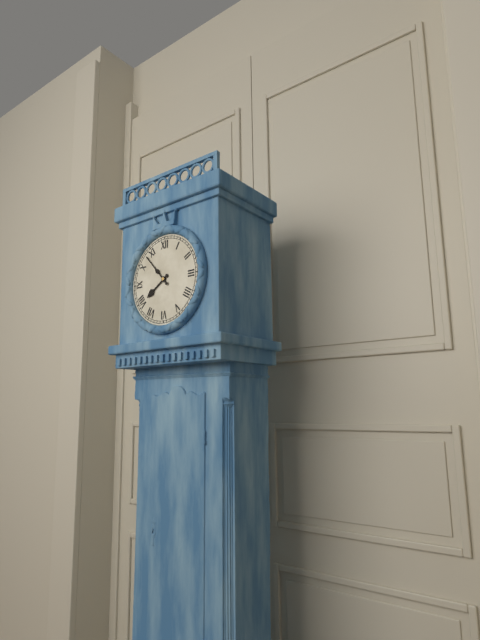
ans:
**7:53**
